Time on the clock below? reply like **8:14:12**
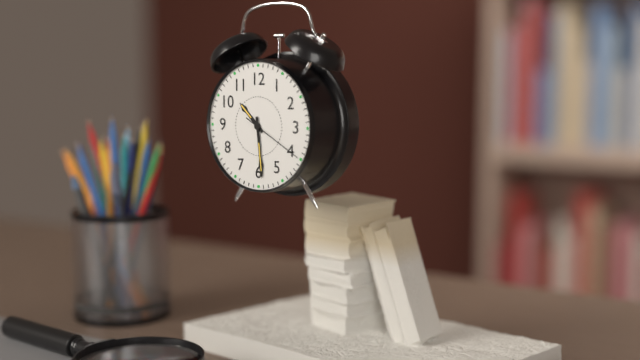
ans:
**10:29:20**
